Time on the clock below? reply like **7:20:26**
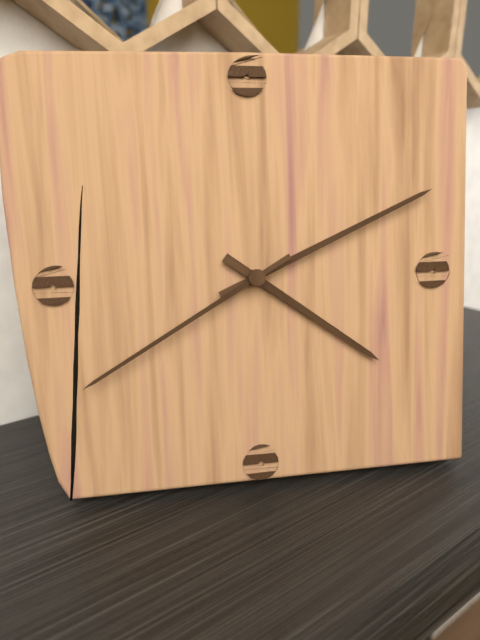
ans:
**4:11:40**
